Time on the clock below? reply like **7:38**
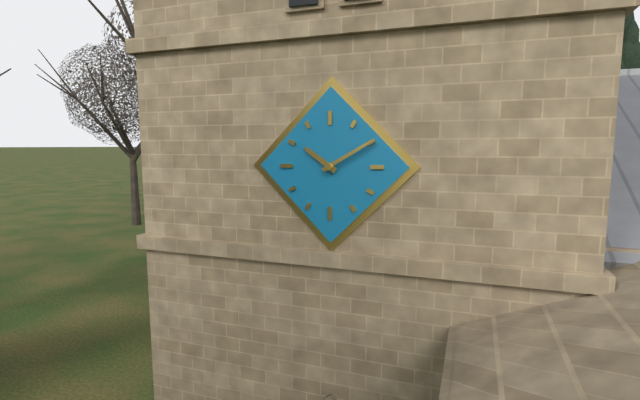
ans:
**10:10**
